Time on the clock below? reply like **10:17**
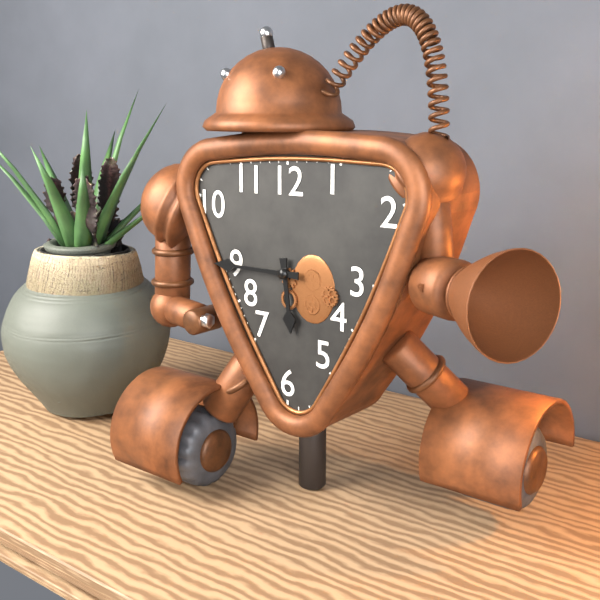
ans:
**5:45**
